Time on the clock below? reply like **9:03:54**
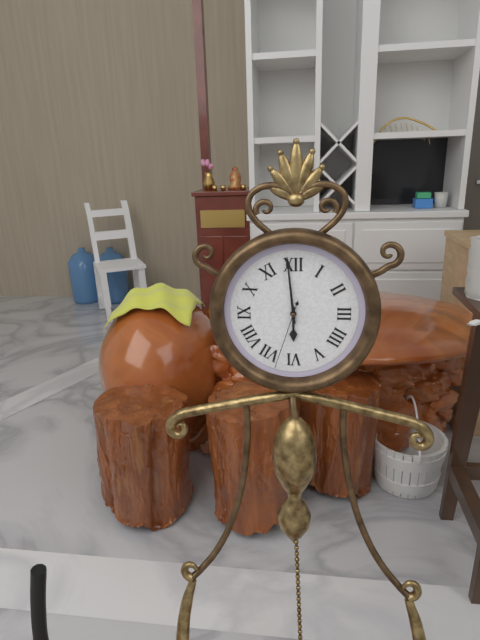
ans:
**5:59:33**
